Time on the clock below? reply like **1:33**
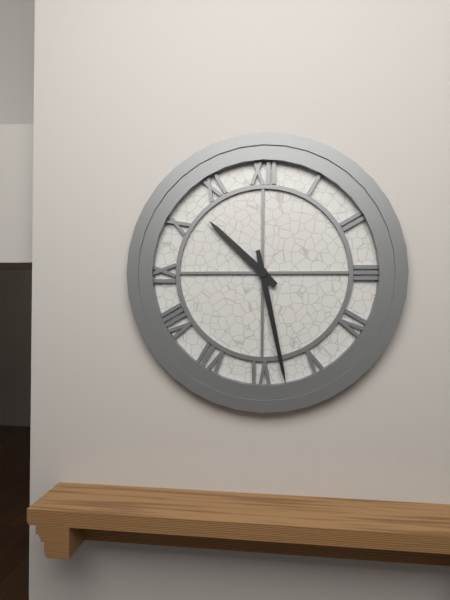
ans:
**10:28**
